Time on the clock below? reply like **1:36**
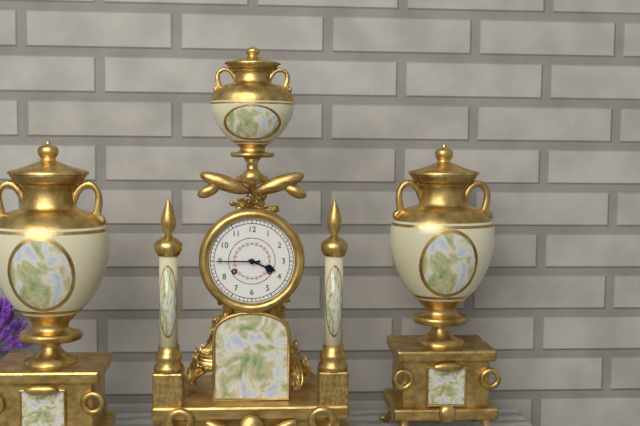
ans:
**3:45**
